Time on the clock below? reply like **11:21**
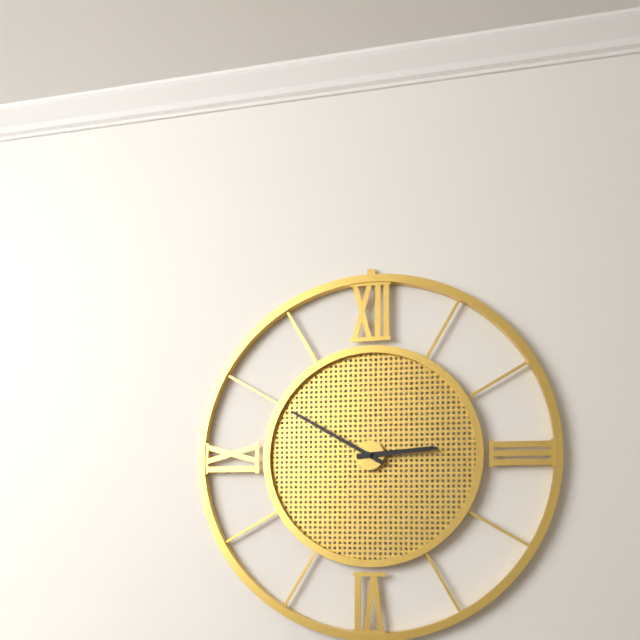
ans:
**2:50**
